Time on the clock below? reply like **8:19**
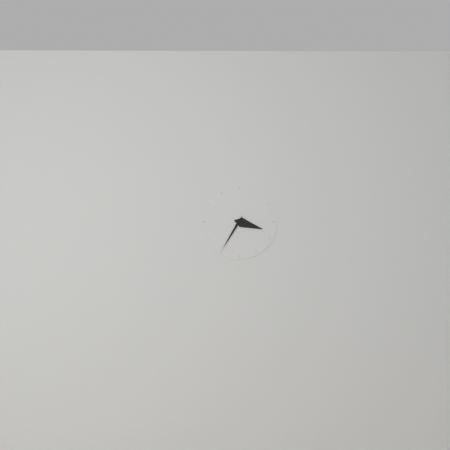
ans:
**3:35**
